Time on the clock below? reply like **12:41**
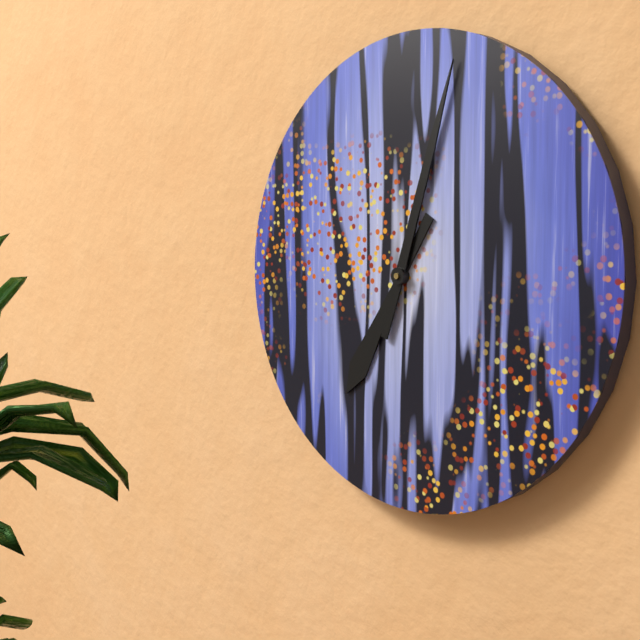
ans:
**7:03**
